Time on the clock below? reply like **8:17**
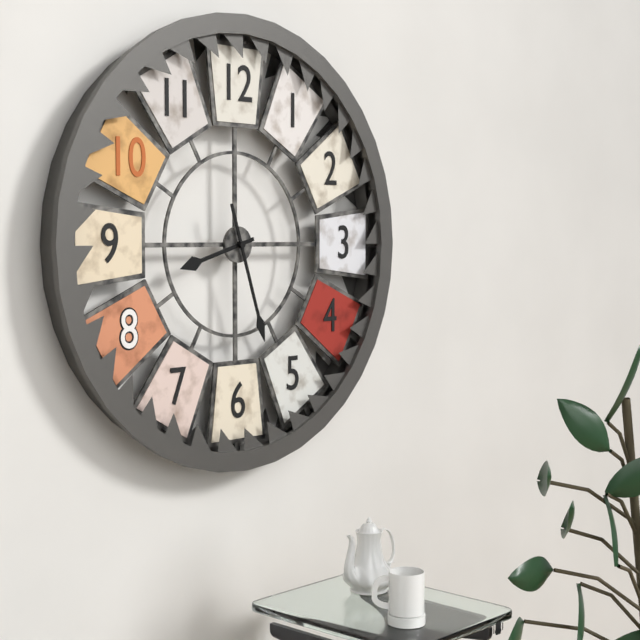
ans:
**8:27**
